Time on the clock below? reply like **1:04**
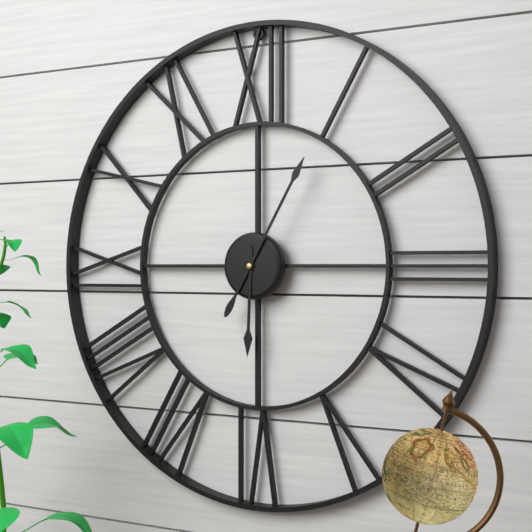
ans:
**6:05**
